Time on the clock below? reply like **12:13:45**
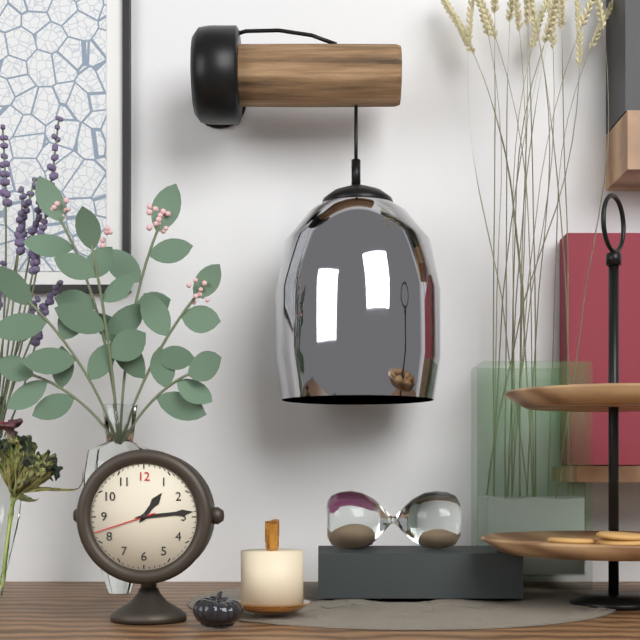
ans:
**1:14:42**
